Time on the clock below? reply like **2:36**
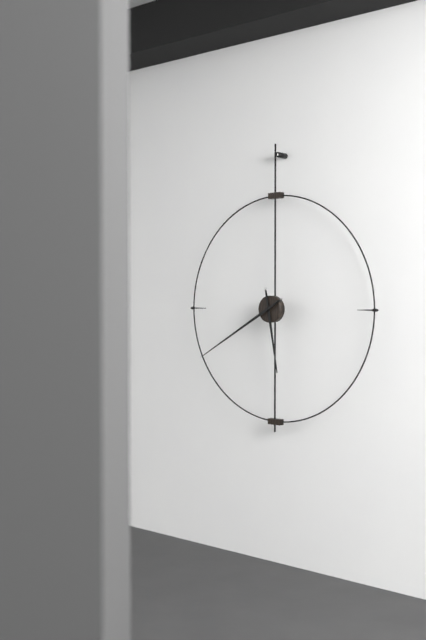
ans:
**5:40**
